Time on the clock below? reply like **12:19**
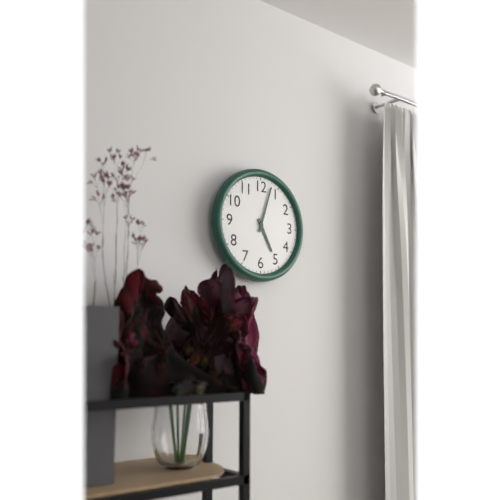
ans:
**5:03**
